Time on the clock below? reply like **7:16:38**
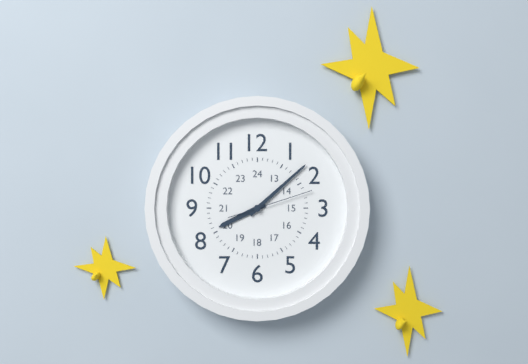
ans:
**8:08:12**
